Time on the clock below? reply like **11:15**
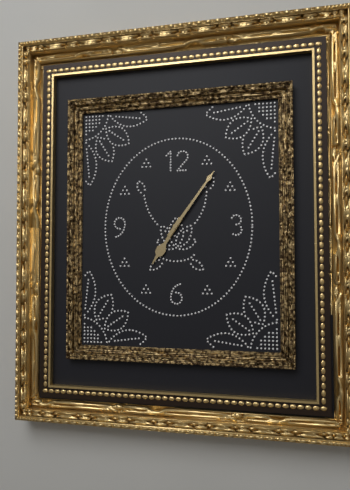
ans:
**7:06**
